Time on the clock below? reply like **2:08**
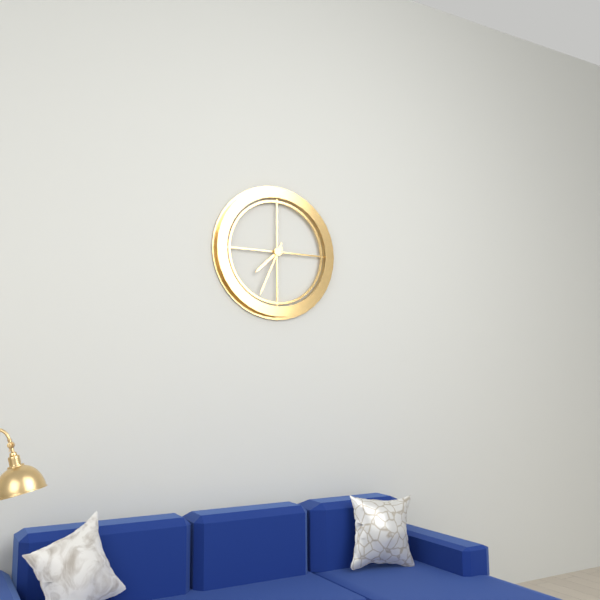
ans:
**7:34**
